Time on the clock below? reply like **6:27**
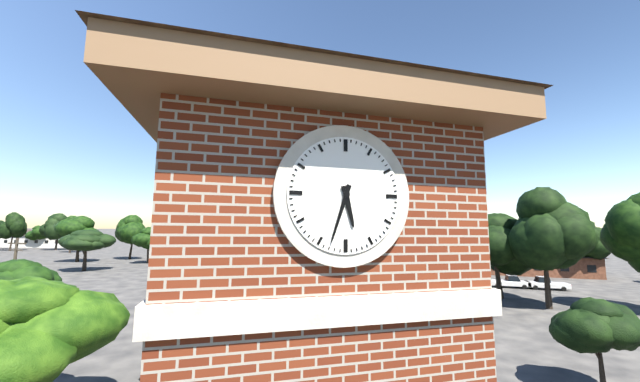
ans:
**5:33**
